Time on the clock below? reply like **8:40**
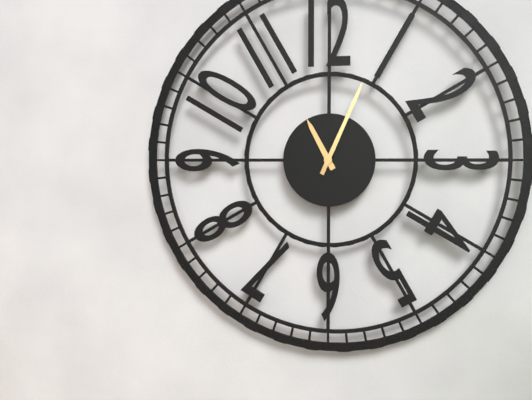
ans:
**11:04**
